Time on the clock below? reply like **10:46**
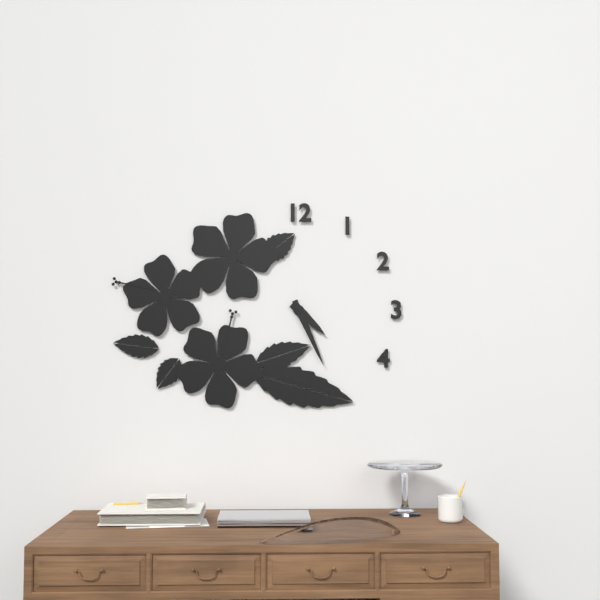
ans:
**4:26**
